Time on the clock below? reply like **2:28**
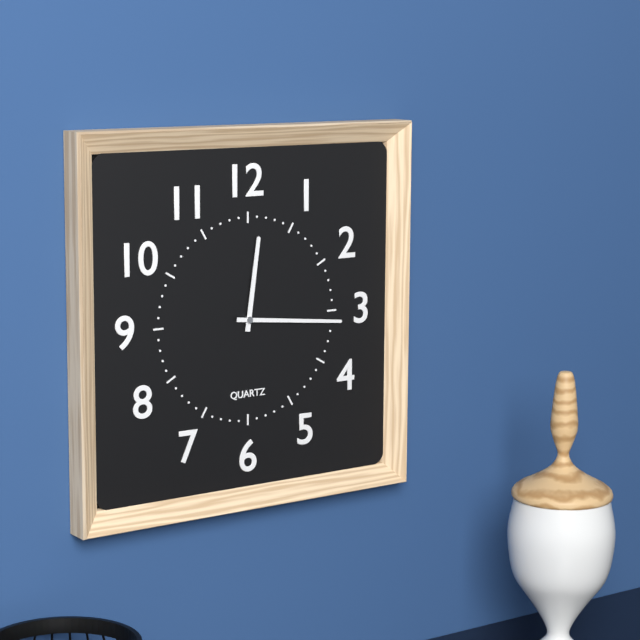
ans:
**12:16**
